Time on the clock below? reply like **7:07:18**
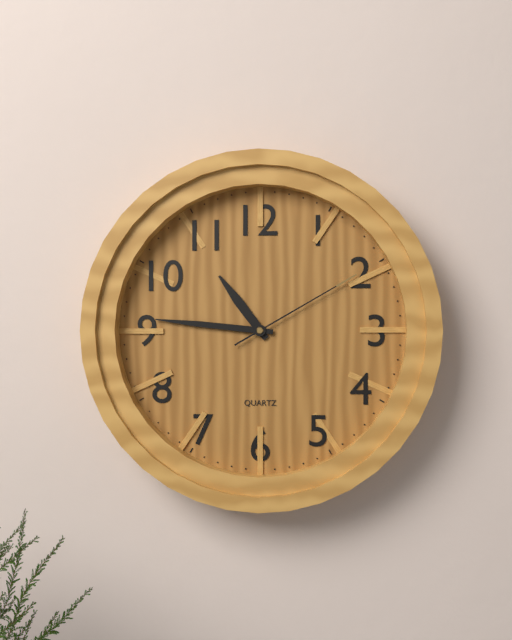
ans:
**10:46:10**
